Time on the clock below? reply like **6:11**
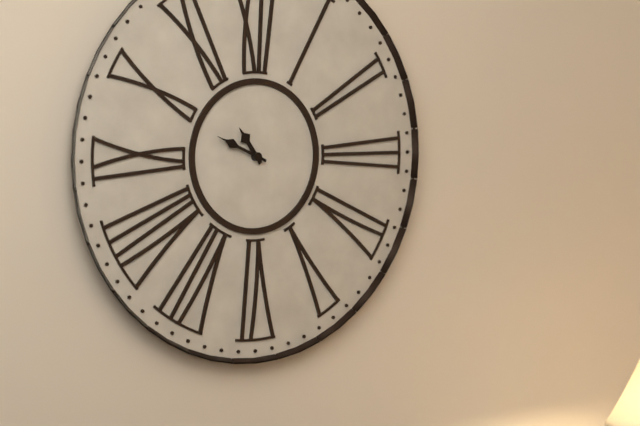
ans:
**10:49**
